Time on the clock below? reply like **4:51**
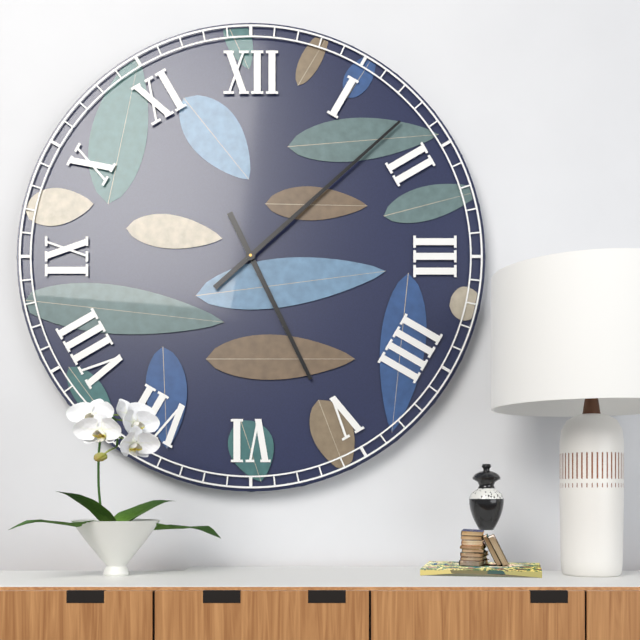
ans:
**5:08**
